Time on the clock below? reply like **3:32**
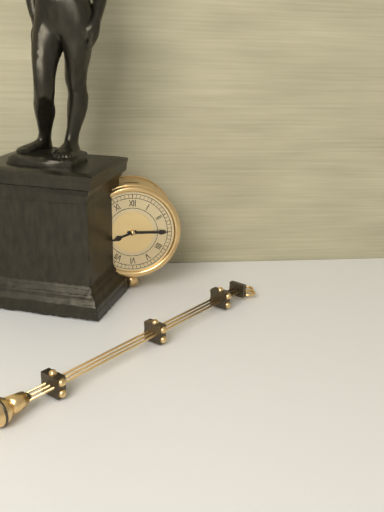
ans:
**8:15**
